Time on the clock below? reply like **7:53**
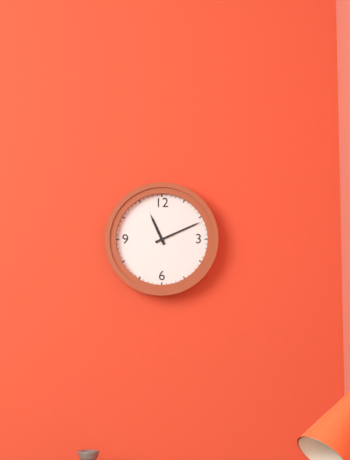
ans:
**11:11**
